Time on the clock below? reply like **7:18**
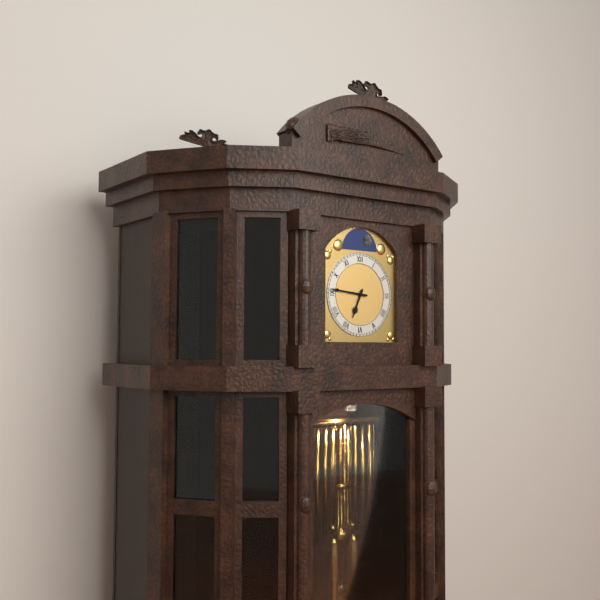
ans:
**6:46**
